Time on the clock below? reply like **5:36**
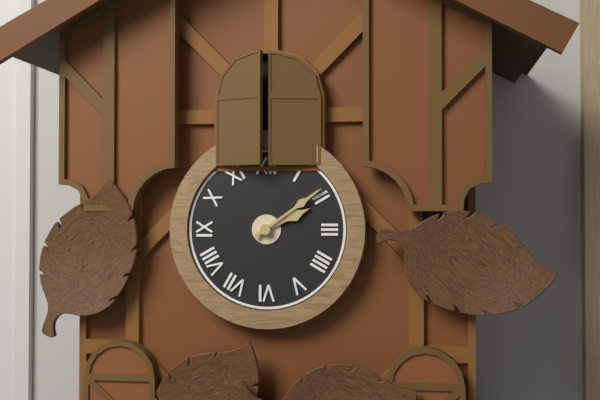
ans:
**2:09**
